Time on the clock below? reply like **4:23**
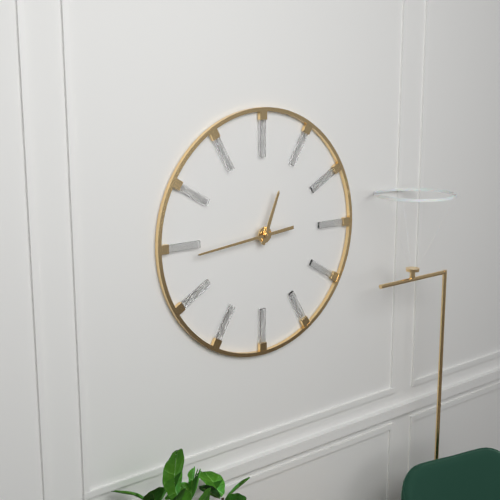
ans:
**12:44**
